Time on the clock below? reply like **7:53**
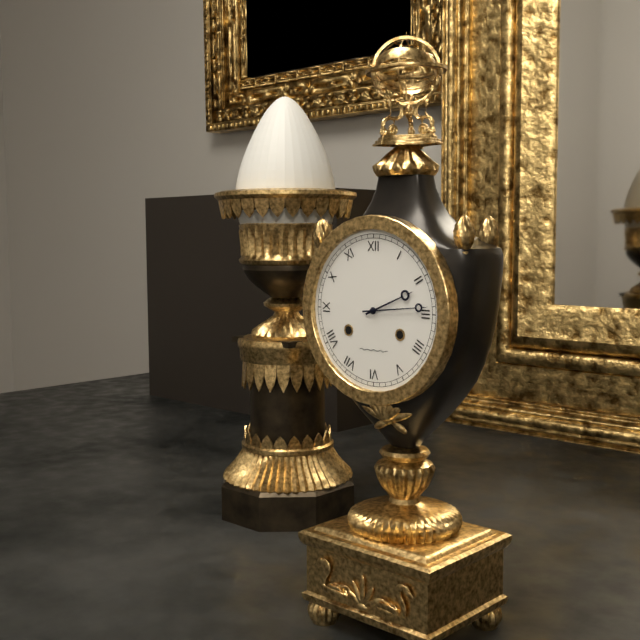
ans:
**2:14**
